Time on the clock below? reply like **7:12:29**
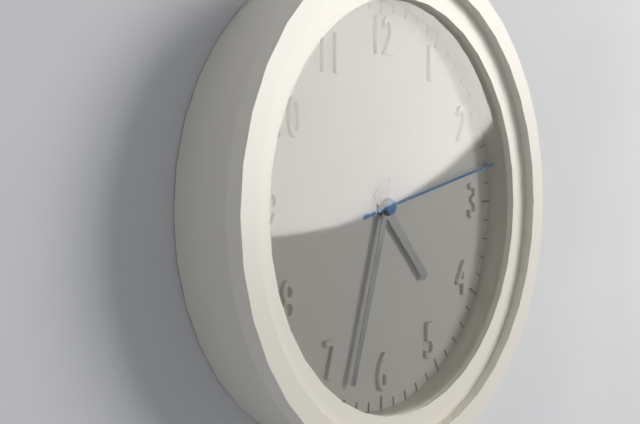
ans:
**4:33:13**
